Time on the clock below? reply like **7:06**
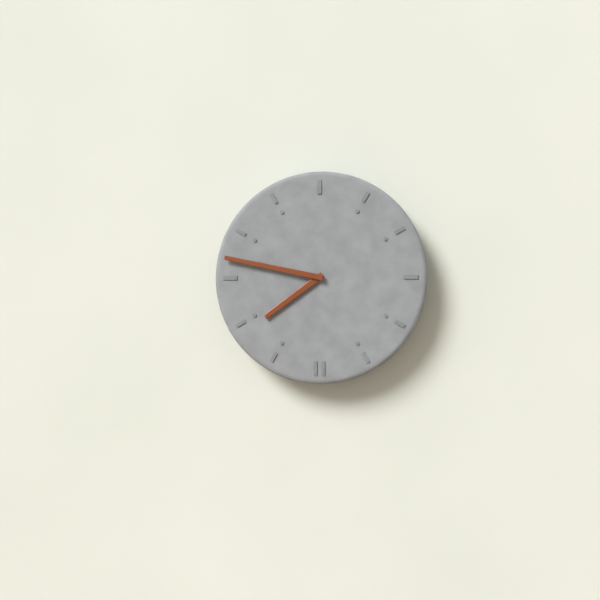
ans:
**7:47**
